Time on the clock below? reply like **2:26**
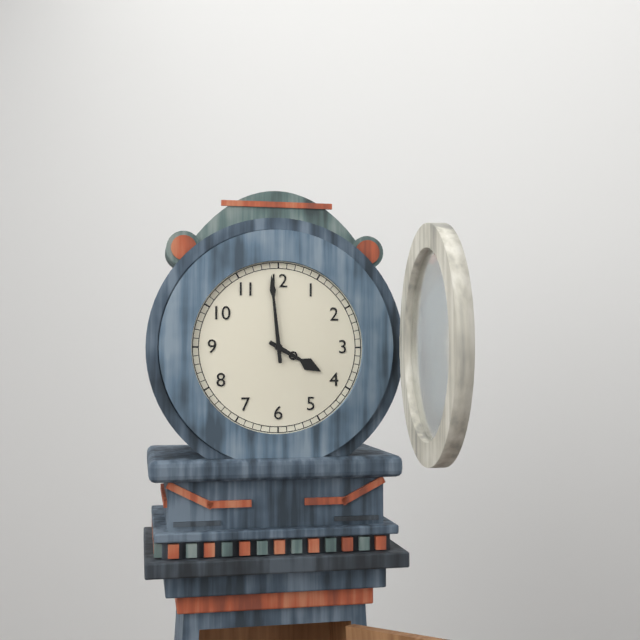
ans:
**3:59**
